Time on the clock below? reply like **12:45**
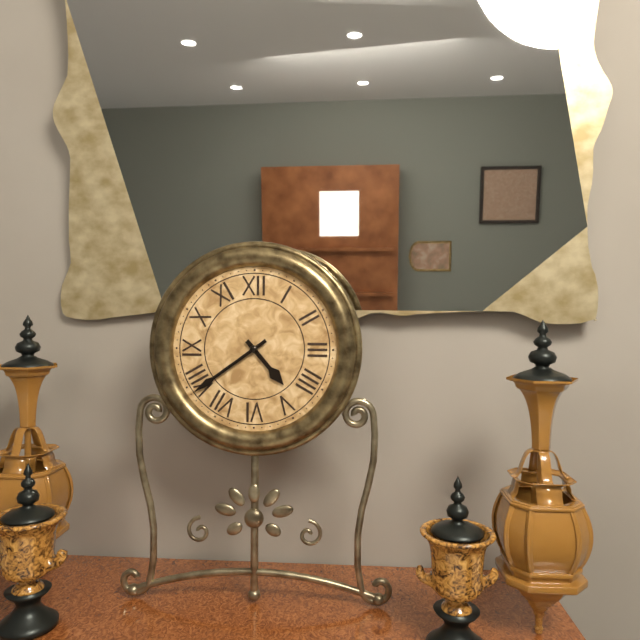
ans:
**4:39**
